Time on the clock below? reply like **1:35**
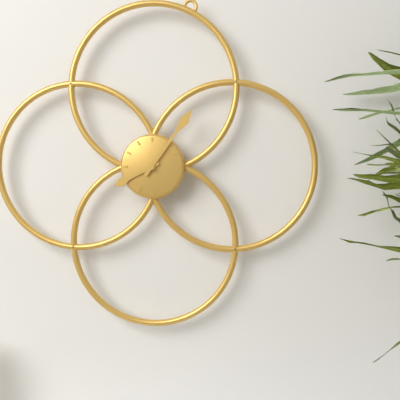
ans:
**8:06**
